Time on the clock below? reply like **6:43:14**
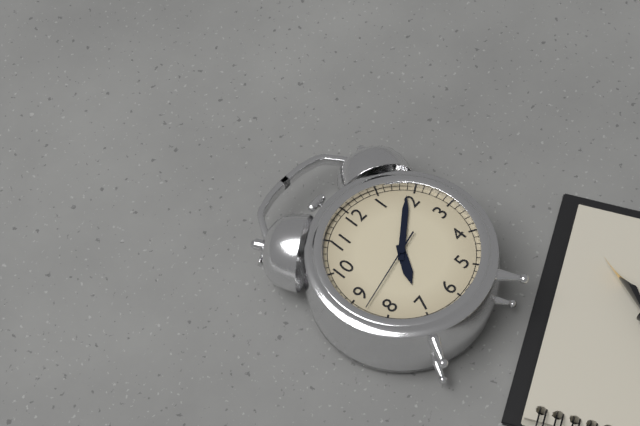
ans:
**7:09:43**
